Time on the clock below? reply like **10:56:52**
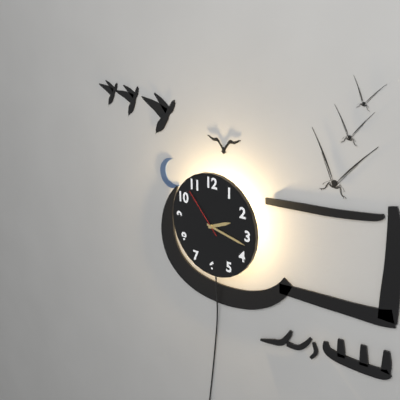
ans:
**2:17:53**
